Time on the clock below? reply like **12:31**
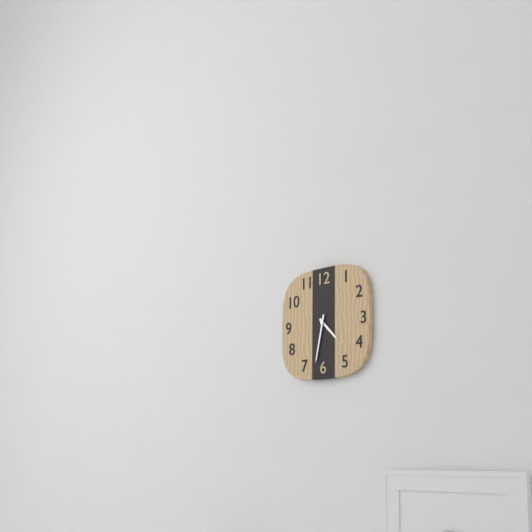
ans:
**4:32**
